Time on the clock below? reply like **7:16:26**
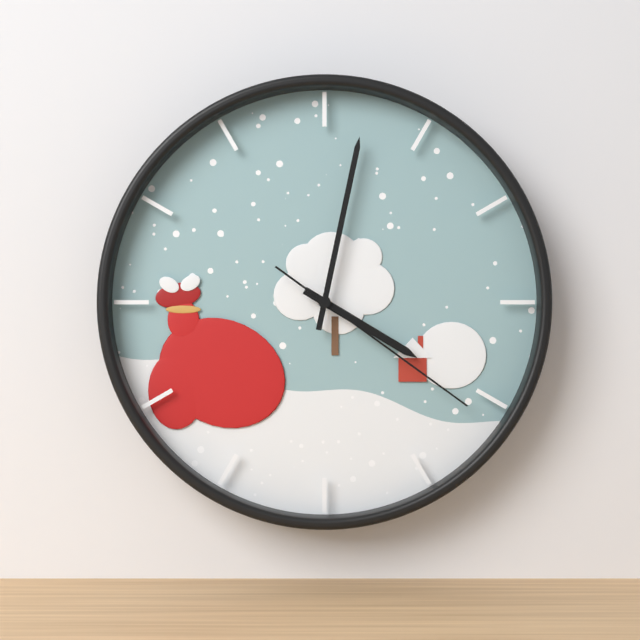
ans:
**4:02:21**
